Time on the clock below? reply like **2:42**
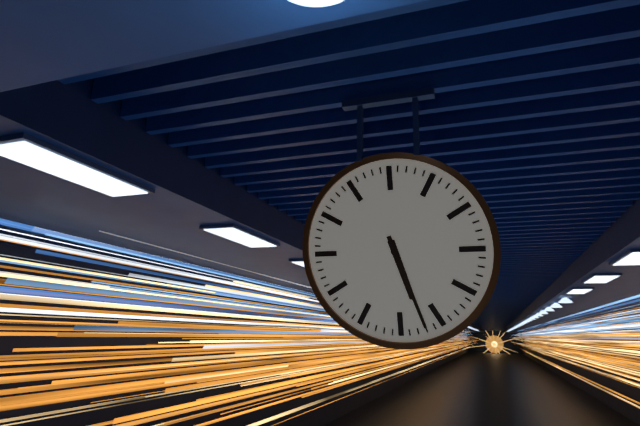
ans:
**5:27**
